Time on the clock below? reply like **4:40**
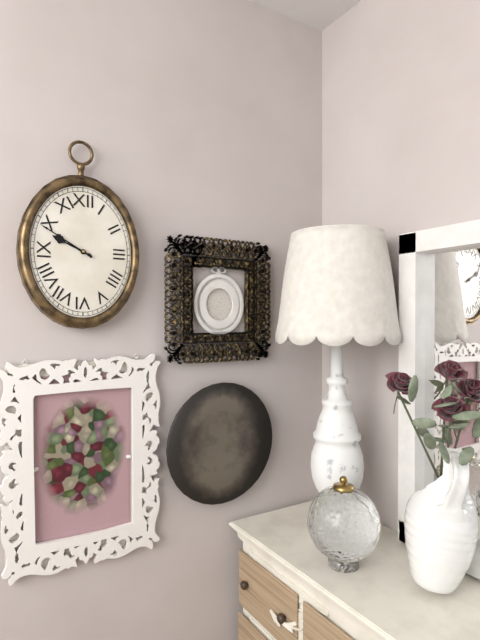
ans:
**9:50**
